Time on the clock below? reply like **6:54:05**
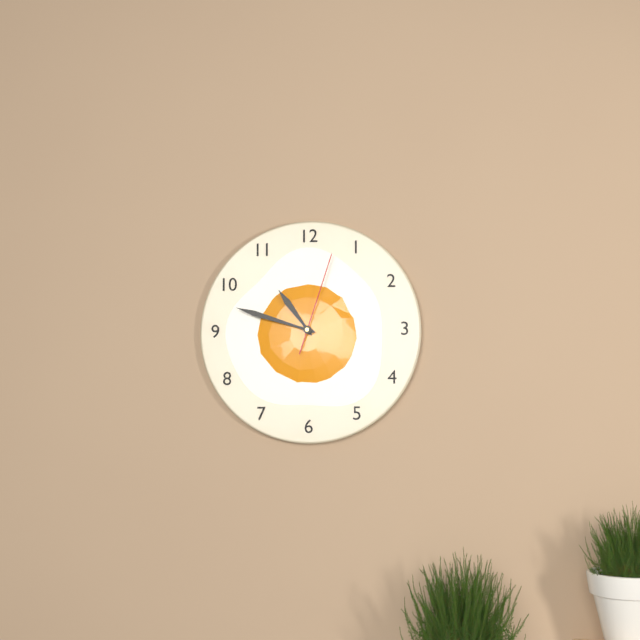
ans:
**10:48:03**
